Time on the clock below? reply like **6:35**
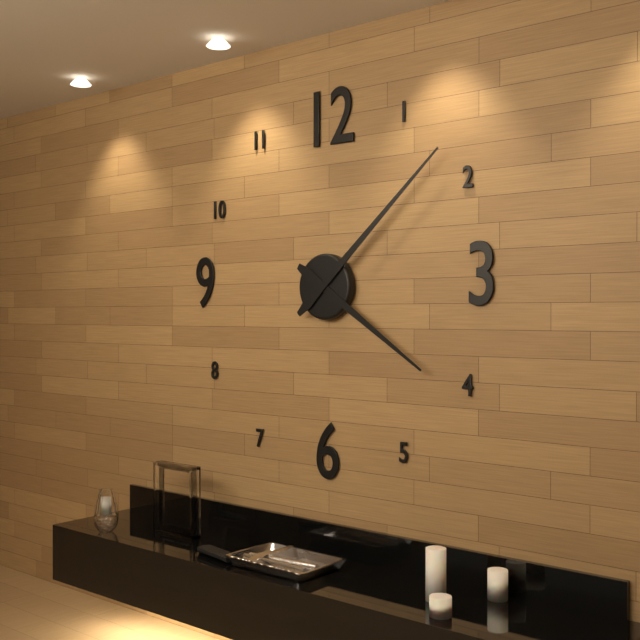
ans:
**4:08**
